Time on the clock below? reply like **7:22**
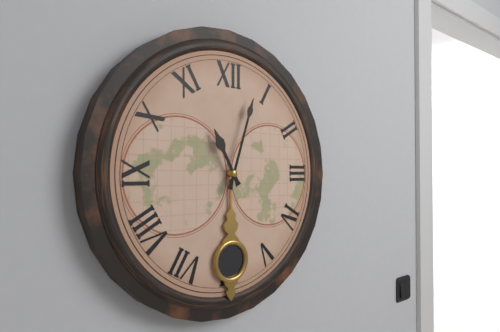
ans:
**11:03**
